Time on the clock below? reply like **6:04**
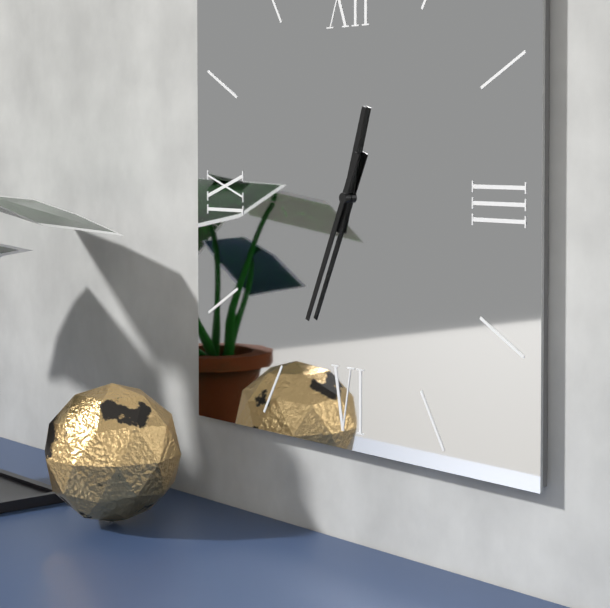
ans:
**12:34**
